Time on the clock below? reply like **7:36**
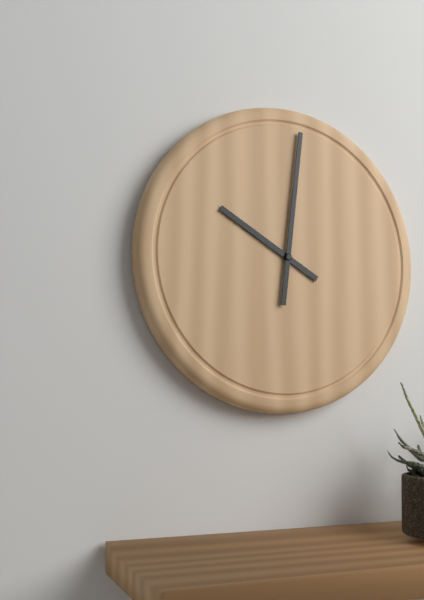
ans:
**10:01**
